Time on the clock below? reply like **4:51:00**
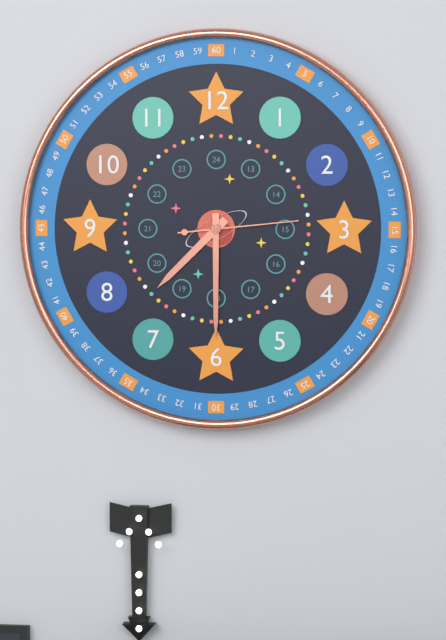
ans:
**7:30:14**
